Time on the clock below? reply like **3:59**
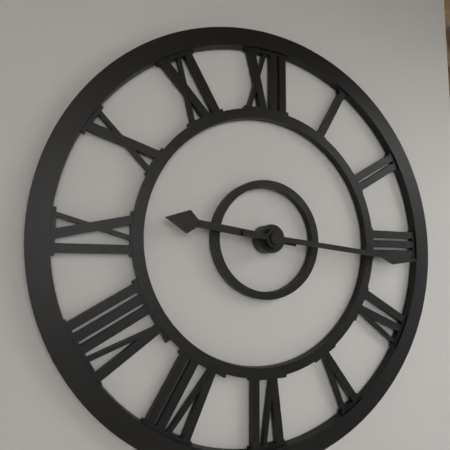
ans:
**9:16**
